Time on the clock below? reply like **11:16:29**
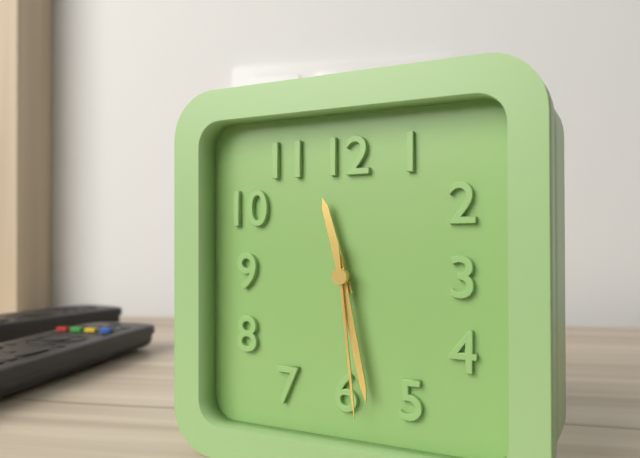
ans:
**11:28:29**
